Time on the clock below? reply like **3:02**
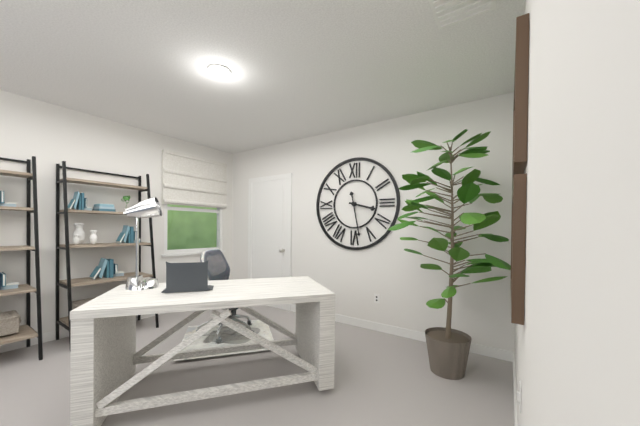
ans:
**3:28**
